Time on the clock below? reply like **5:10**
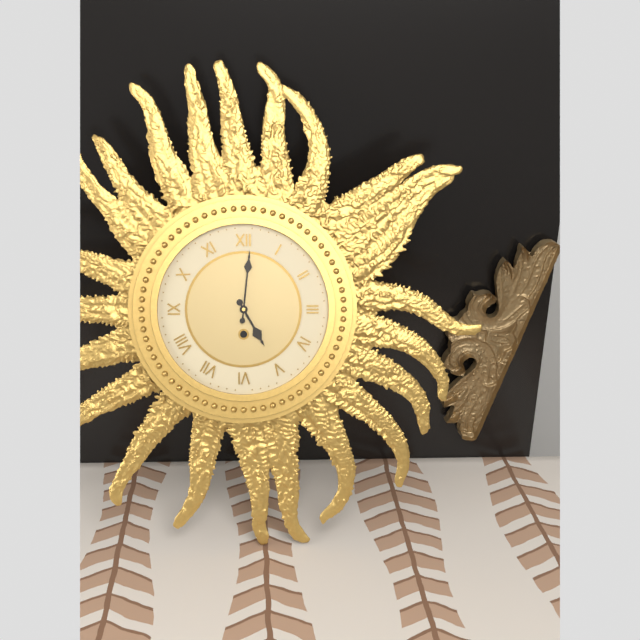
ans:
**5:01**
